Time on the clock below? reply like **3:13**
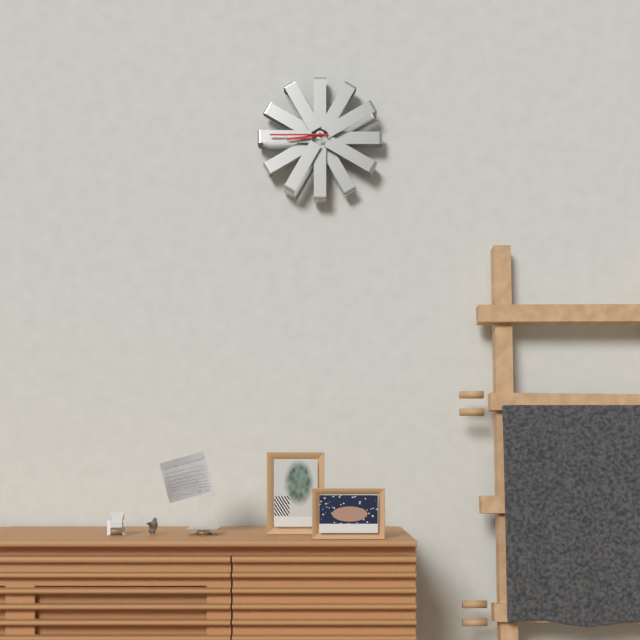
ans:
**8:45**
